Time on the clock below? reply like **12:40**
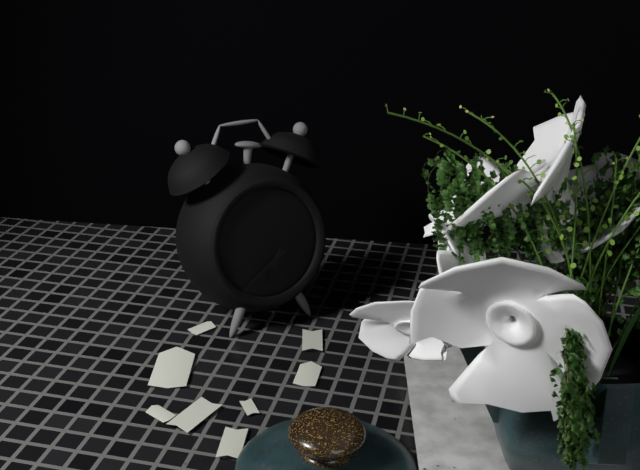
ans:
**6:39**
